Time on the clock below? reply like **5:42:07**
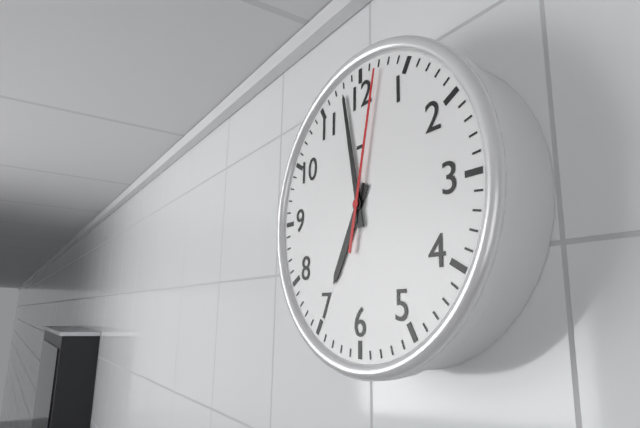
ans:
**6:58:02**
